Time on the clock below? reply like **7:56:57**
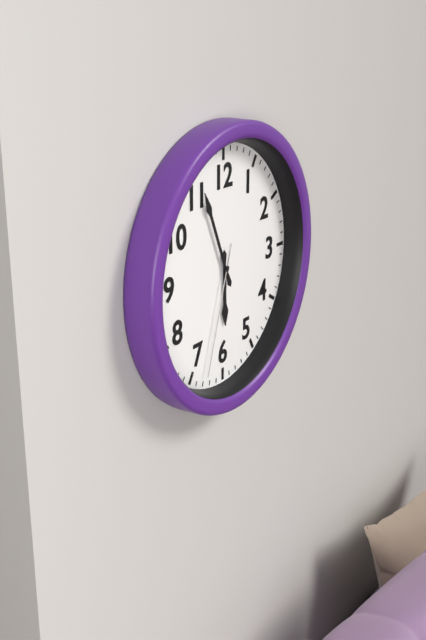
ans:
**5:56:33**
